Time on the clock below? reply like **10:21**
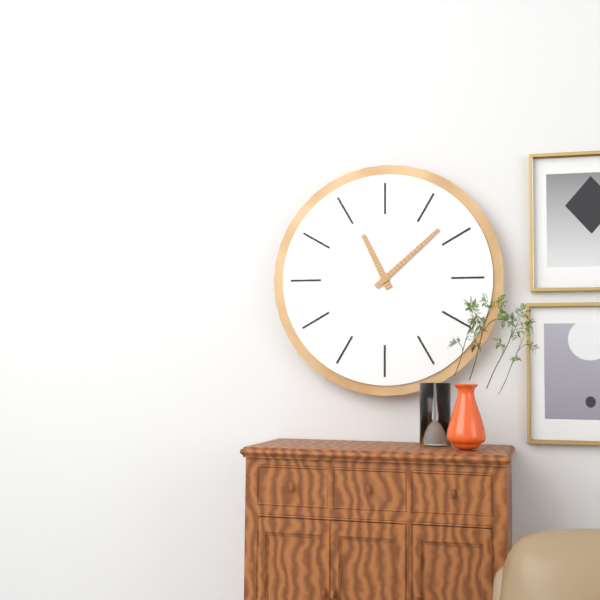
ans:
**11:08**
